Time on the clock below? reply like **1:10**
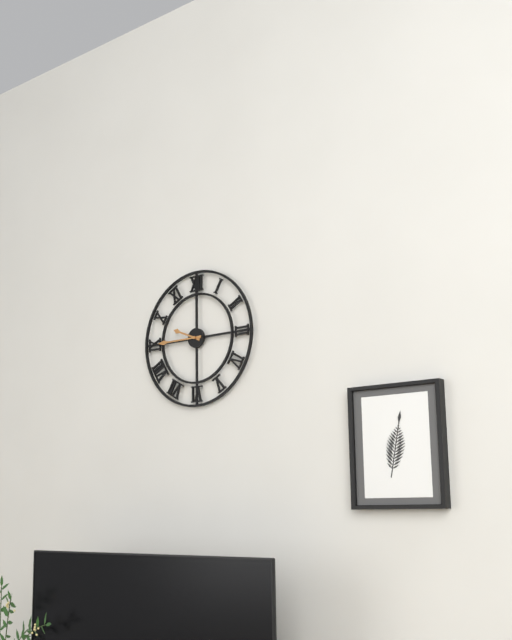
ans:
**9:45**
